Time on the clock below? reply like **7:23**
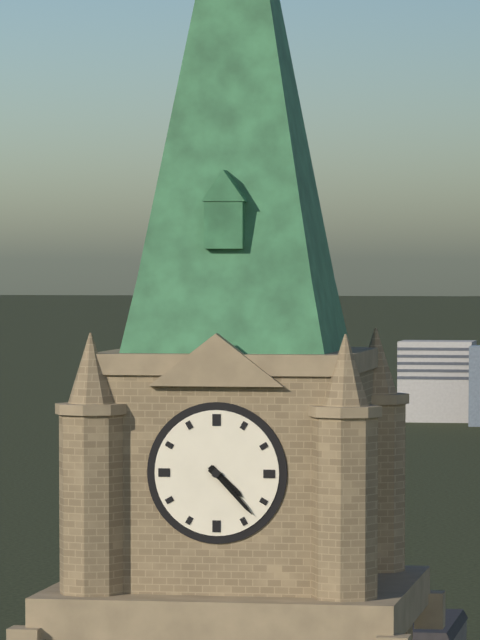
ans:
**4:23**
